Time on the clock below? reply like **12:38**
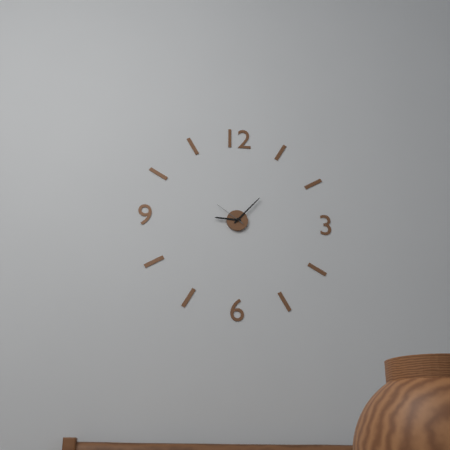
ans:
**9:07**
